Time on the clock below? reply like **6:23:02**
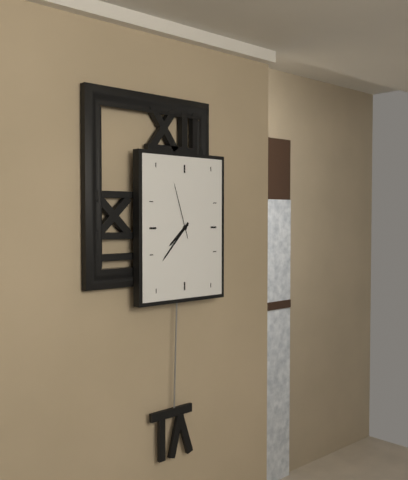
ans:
**7:37:57**
